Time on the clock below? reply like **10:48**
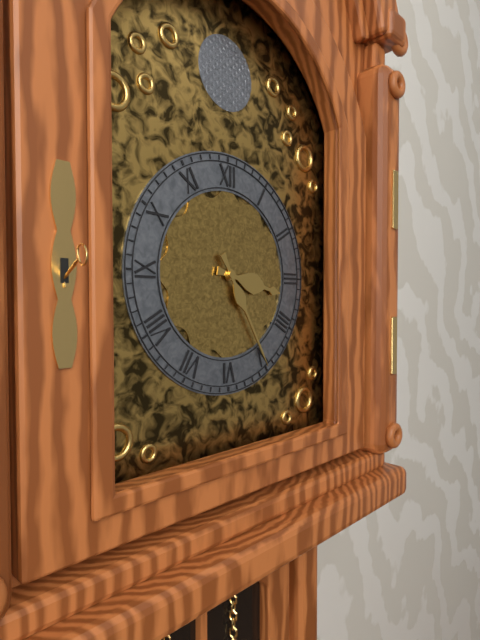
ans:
**3:25**
